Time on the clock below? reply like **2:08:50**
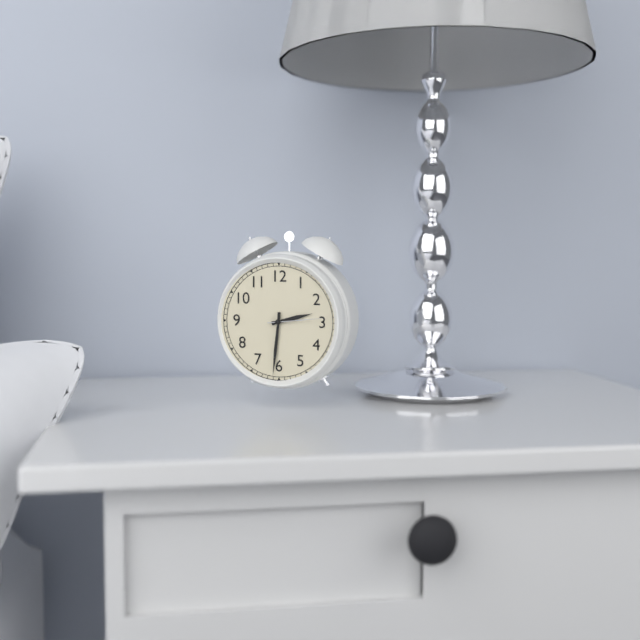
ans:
**2:31:14**
